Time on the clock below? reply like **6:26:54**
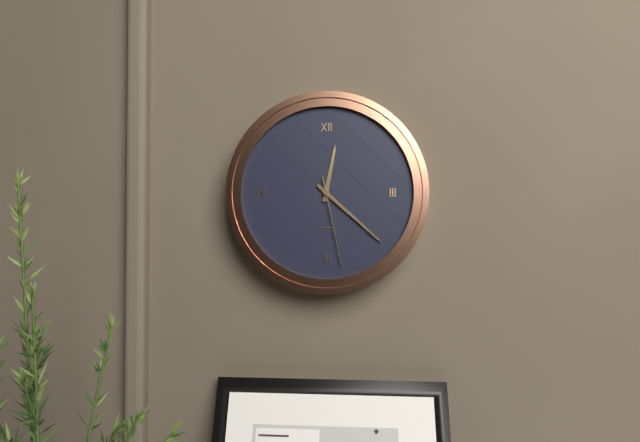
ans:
**12:22:28**
